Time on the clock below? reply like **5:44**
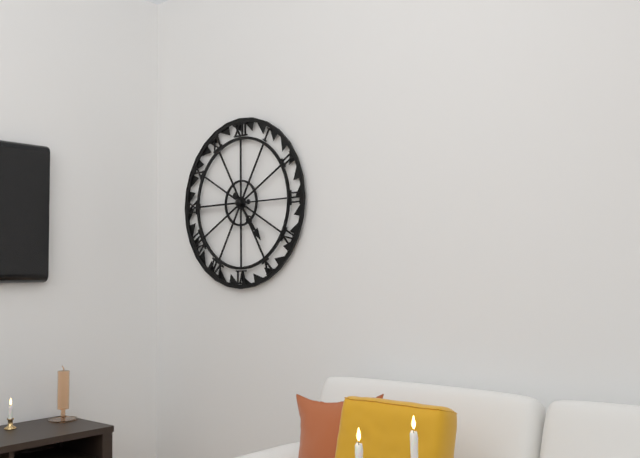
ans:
**4:45**
